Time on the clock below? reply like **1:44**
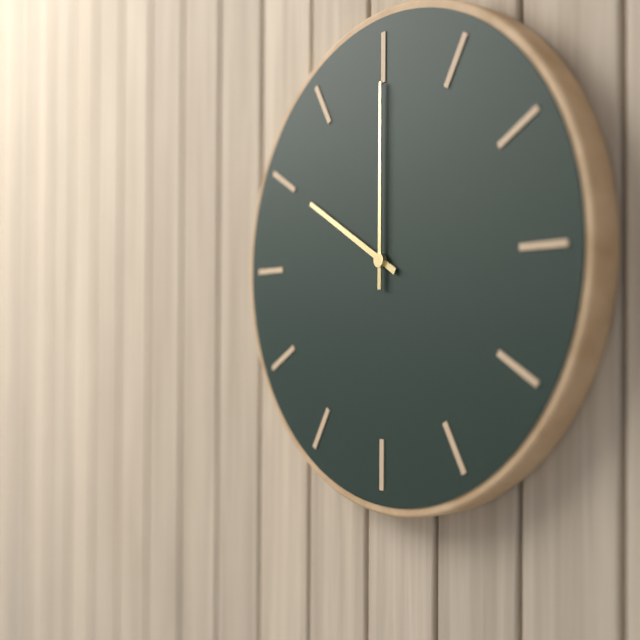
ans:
**10:00**
